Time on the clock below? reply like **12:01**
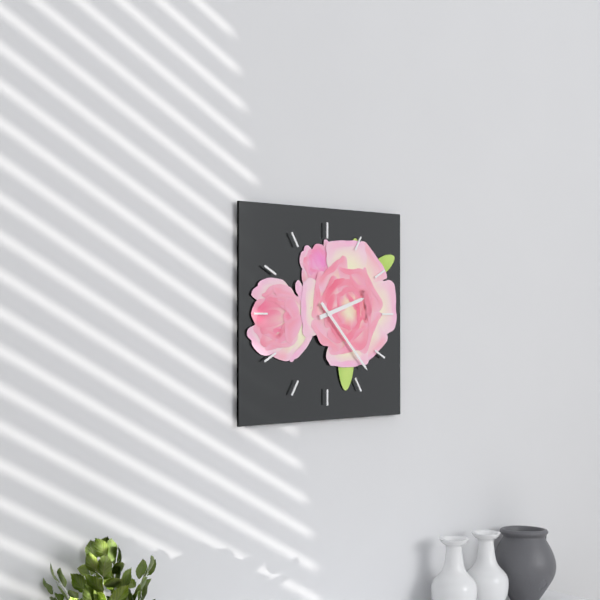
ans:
**2:23**
